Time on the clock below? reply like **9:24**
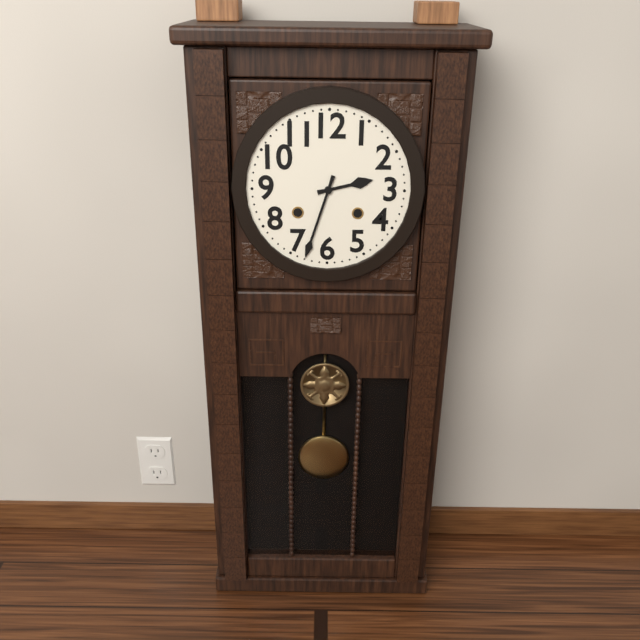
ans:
**2:33**
